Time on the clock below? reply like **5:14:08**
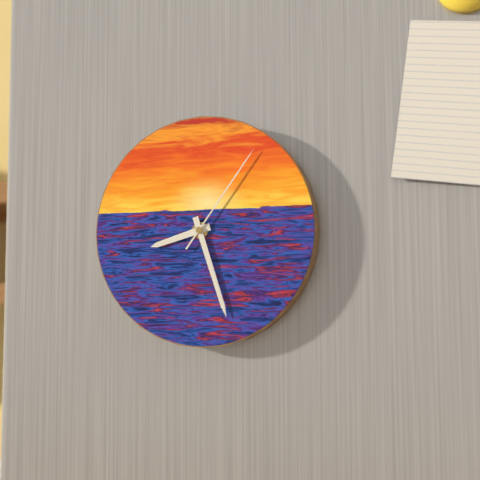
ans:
**8:27:06**
